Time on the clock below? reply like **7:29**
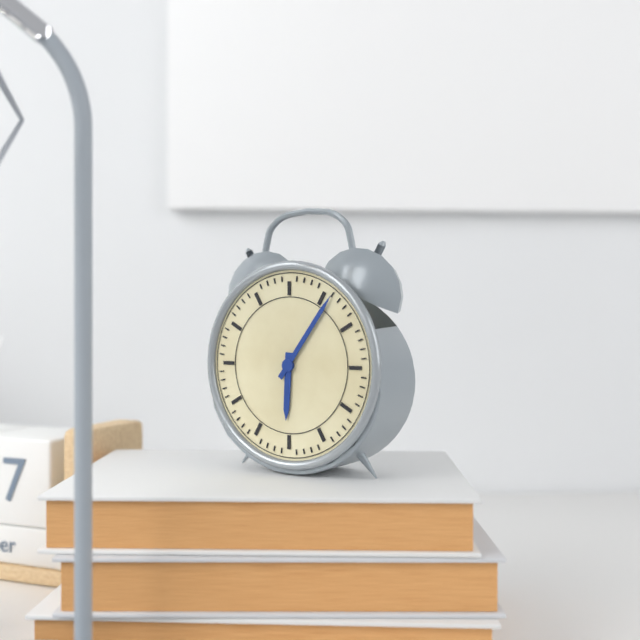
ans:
**6:06**
